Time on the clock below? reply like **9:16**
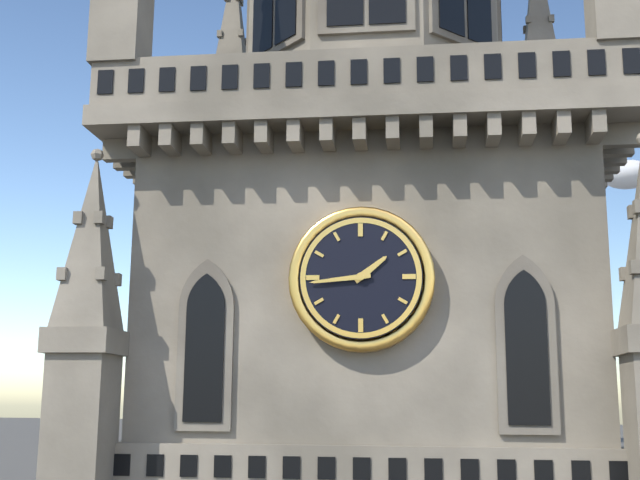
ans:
**1:44**
